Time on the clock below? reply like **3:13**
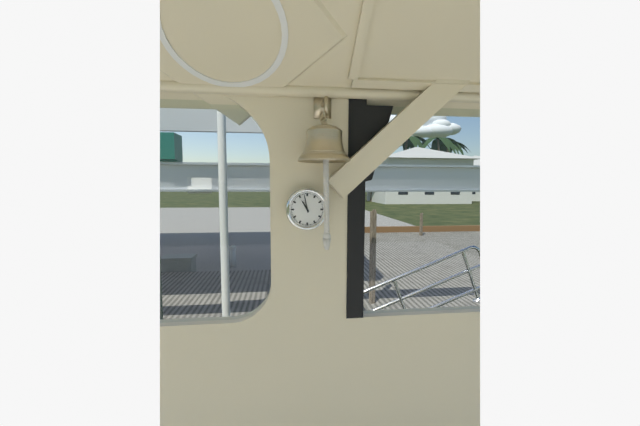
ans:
**10:58**
